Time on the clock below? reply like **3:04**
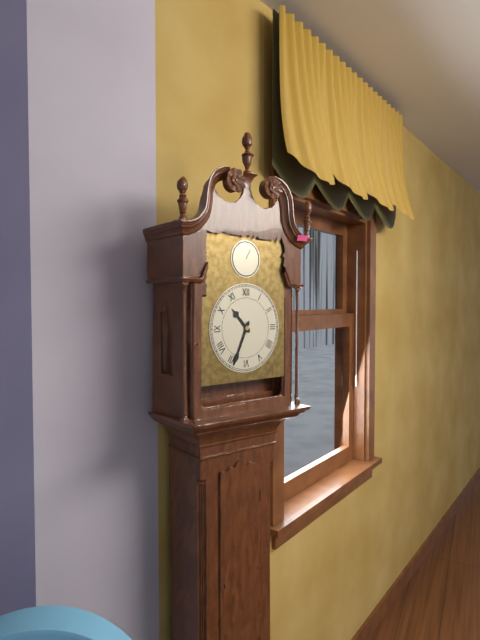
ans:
**10:34**
